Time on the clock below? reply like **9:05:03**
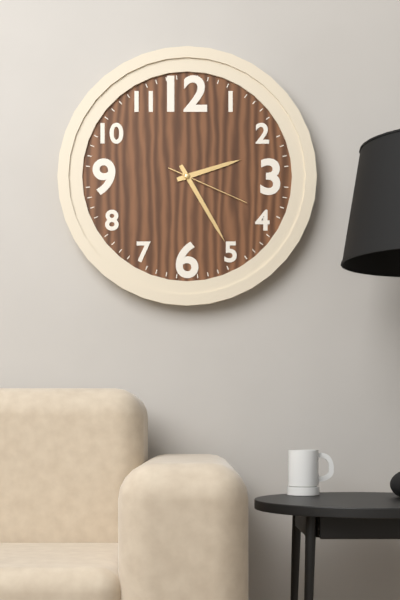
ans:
**2:25:19**
